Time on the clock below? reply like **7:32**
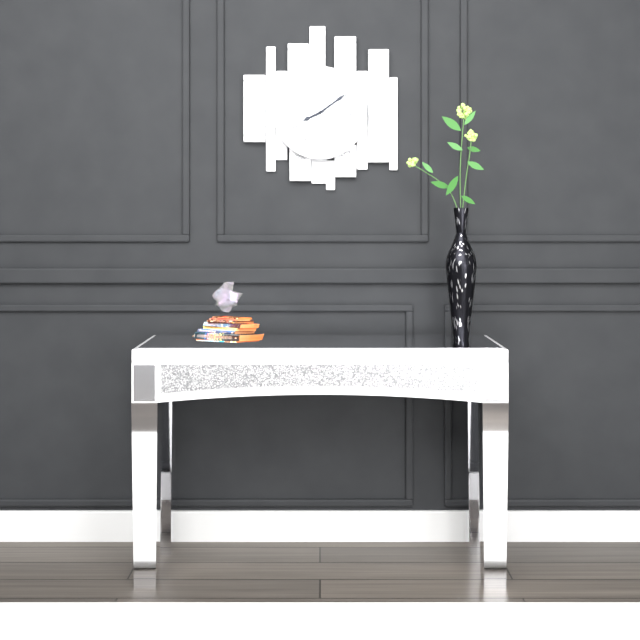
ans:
**8:09**
